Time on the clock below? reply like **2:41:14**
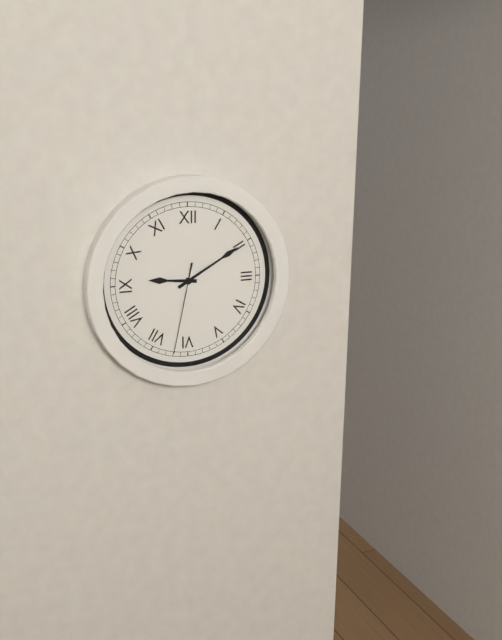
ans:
**9:10:32**
